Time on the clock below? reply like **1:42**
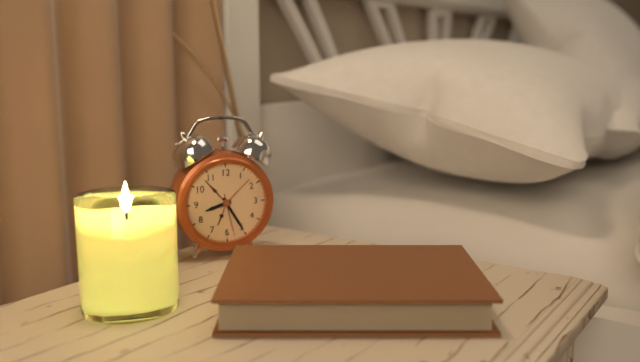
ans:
**8:25**
